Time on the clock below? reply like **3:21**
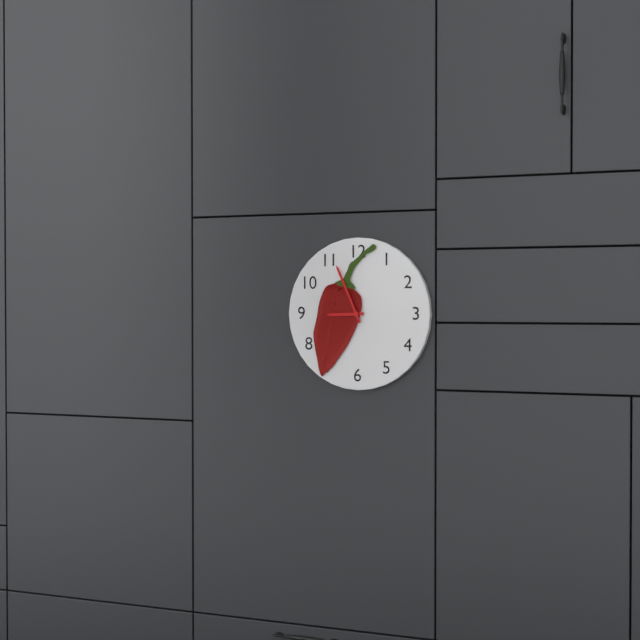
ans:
**8:56**
